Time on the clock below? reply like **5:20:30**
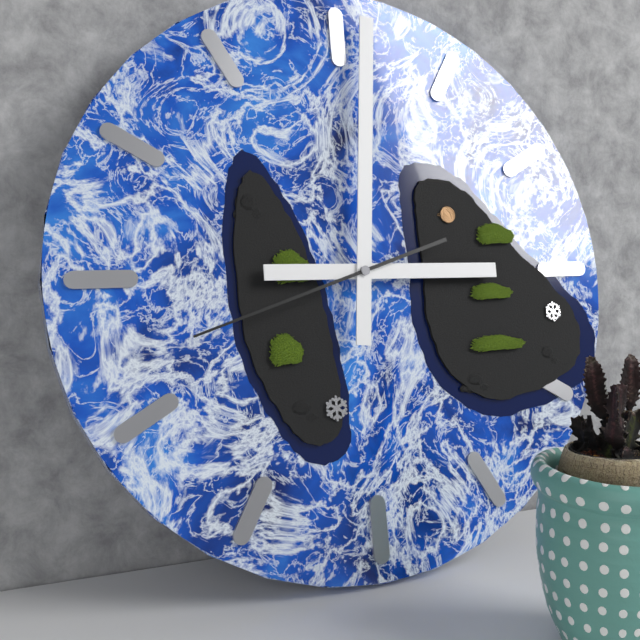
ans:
**3:01:42**
